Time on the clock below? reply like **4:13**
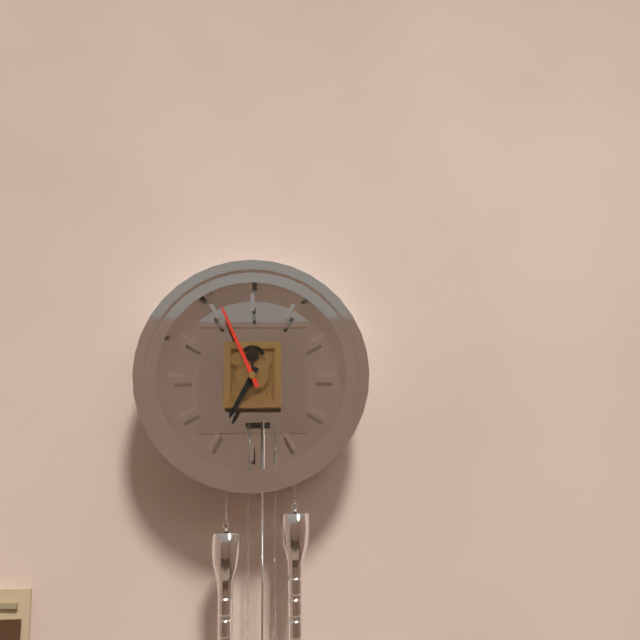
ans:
**6:56**
